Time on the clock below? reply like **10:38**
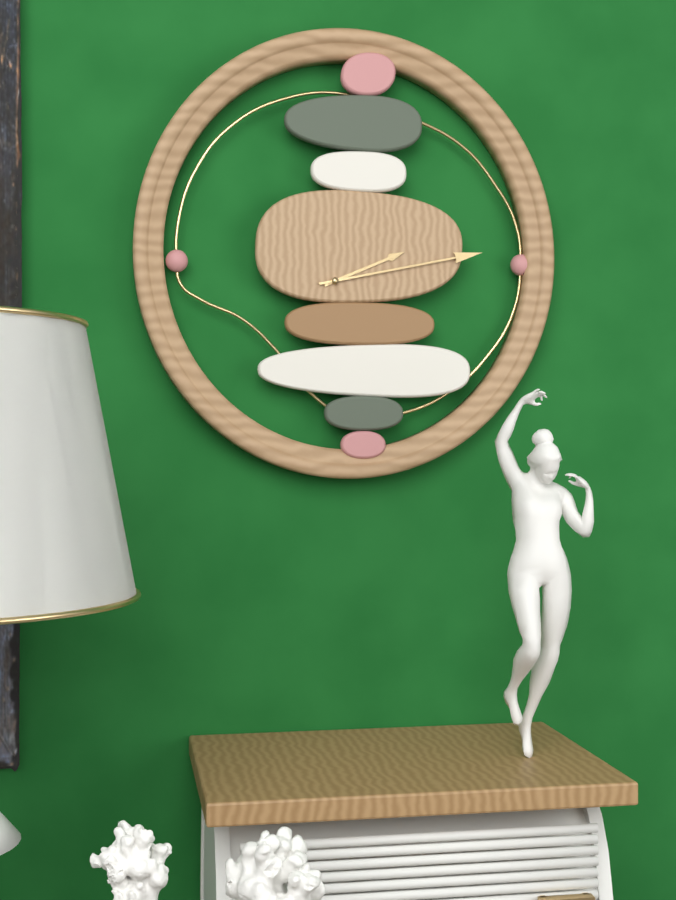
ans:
**2:13**
